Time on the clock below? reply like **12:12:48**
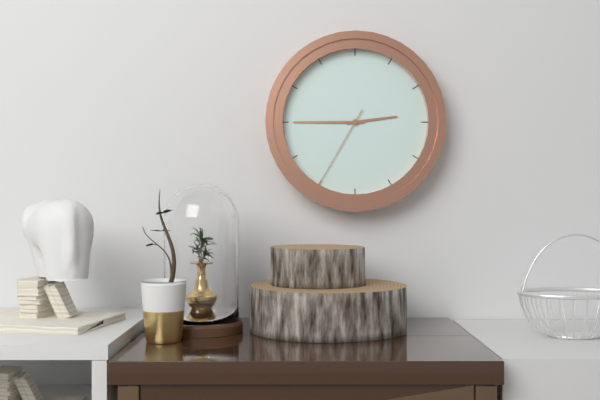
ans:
**2:45:35**
